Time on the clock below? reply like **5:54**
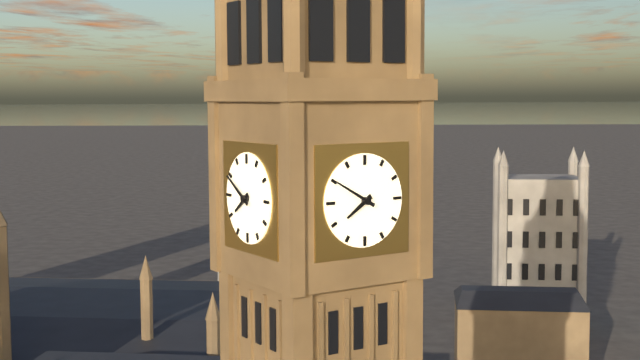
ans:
**7:50**
